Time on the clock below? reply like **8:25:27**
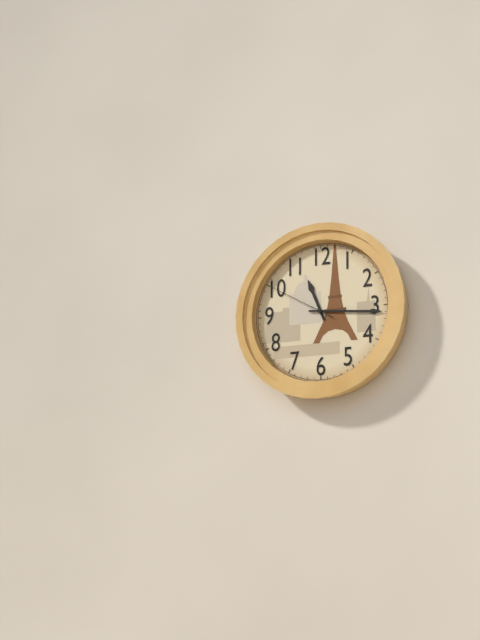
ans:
**11:16:50**
